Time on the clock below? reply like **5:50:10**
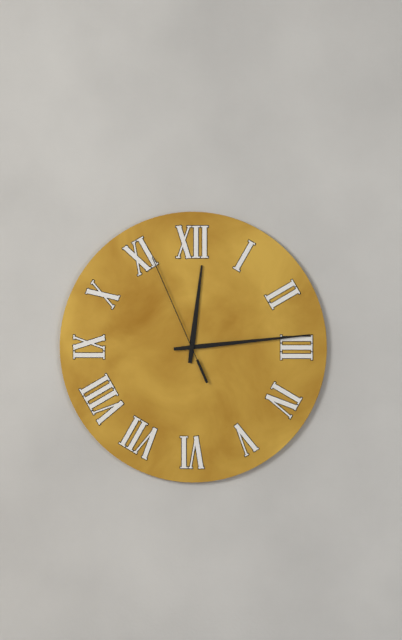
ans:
**12:14:56**
